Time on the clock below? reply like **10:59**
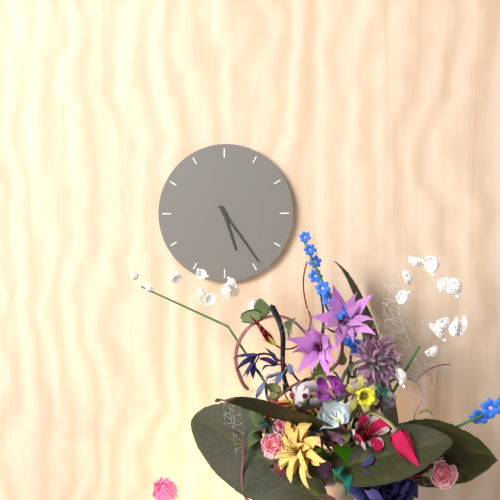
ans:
**5:24**
